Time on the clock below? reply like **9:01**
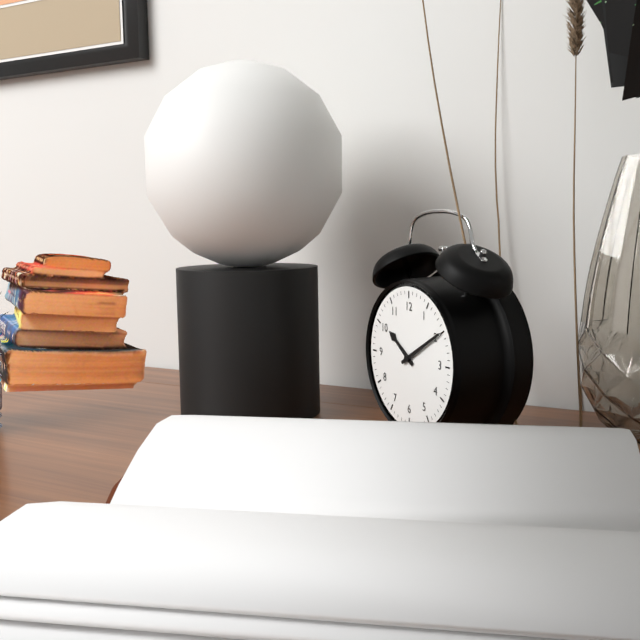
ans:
**10:10**
